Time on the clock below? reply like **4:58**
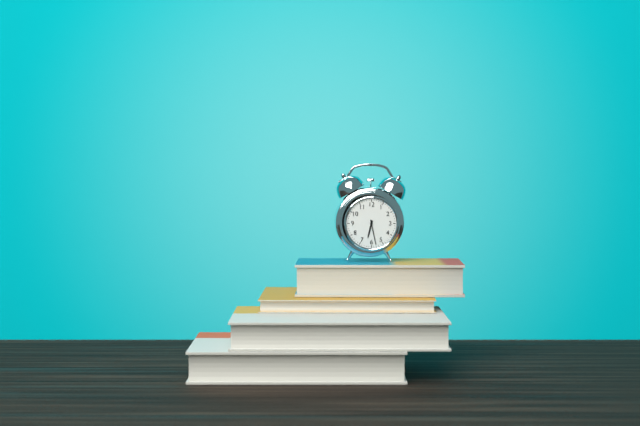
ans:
**6:28**
